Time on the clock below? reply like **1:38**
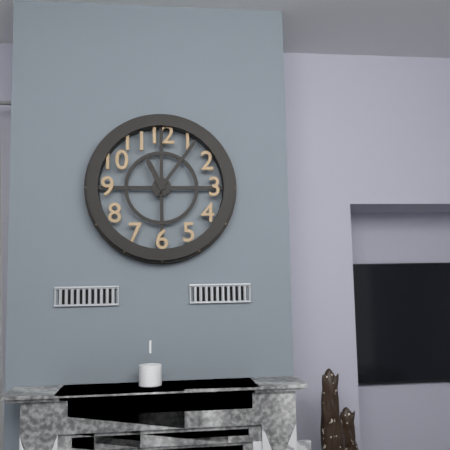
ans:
**11:06**
